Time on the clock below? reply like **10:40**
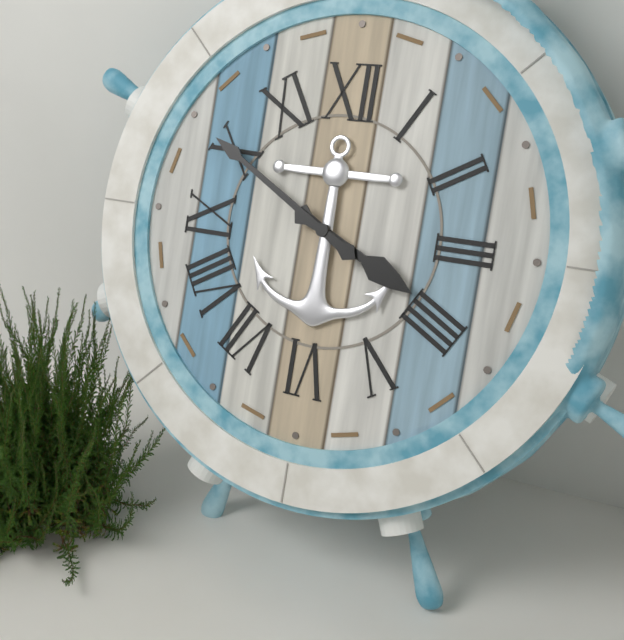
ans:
**3:50**
